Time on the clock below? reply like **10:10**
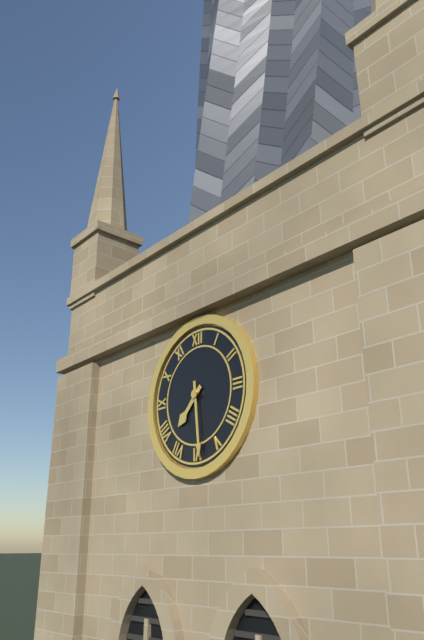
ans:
**7:29**
